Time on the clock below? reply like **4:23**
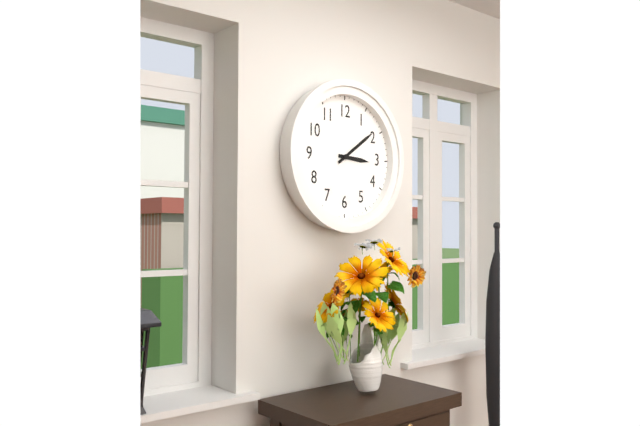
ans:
**3:09**
